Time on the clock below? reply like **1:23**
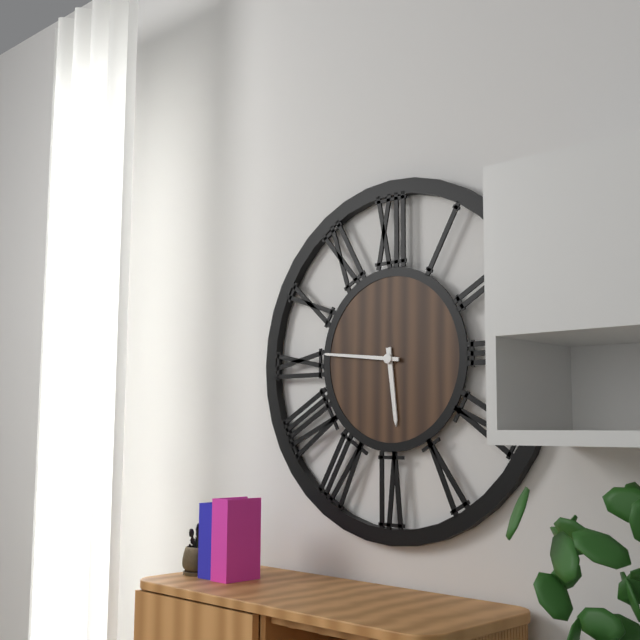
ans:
**5:46**
